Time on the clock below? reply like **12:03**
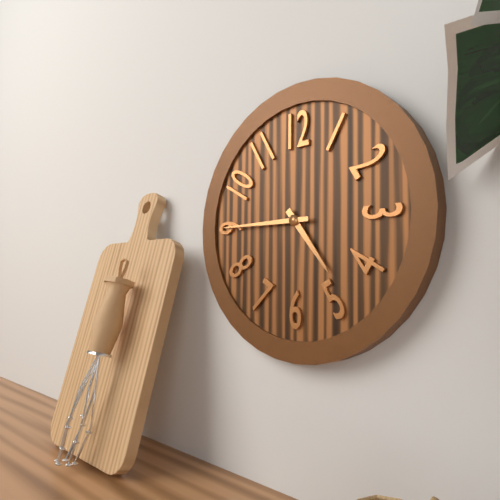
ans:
**4:45**
